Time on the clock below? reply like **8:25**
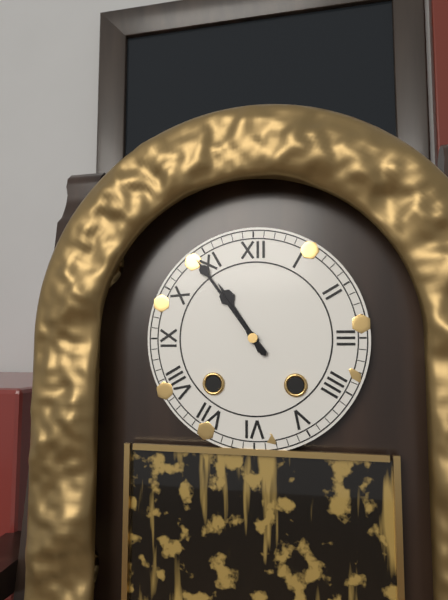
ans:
**10:54**
